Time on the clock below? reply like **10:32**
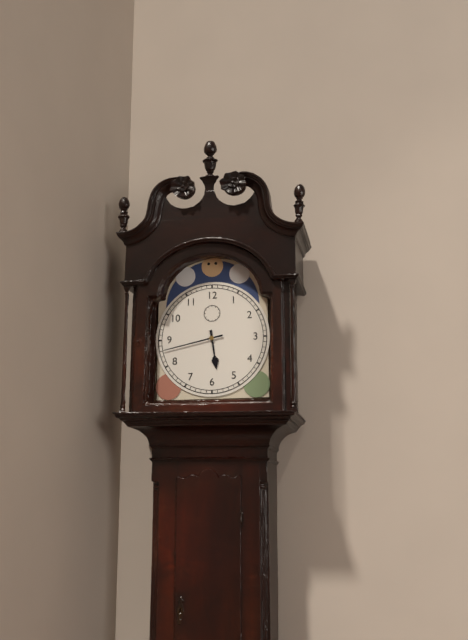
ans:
**5:43**
